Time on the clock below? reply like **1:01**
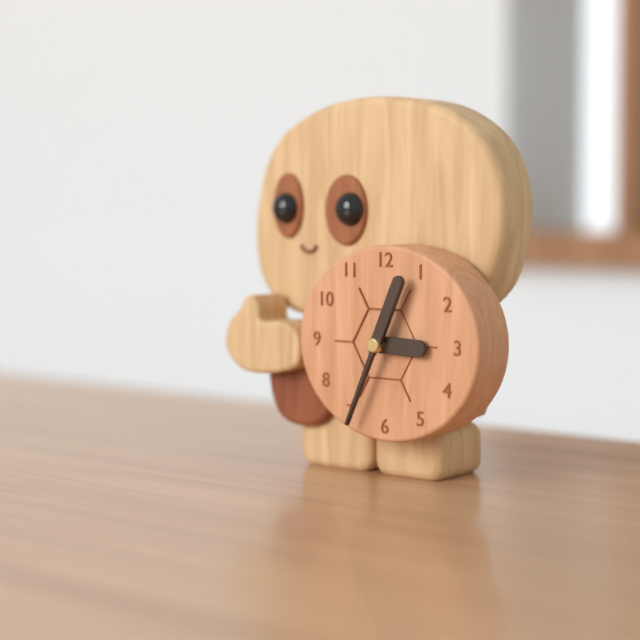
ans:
**3:04**
